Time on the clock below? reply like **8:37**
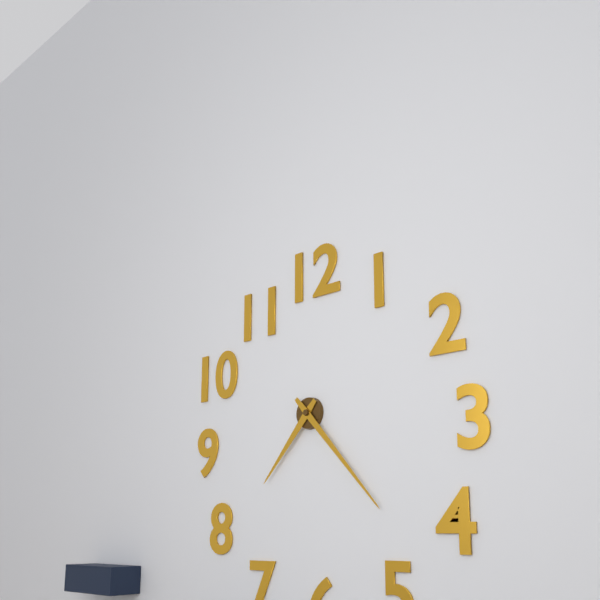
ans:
**7:23**
